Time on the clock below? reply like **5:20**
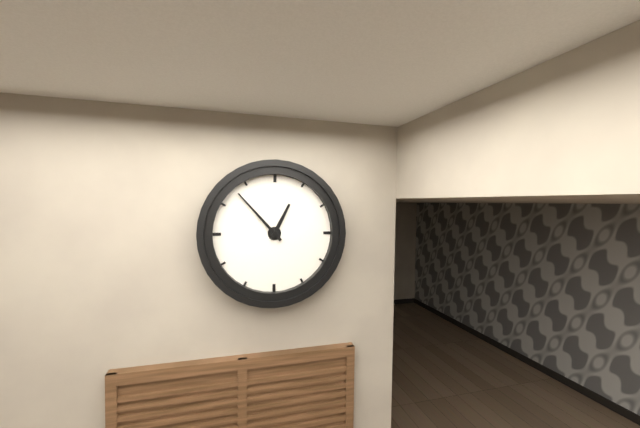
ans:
**12:53**
